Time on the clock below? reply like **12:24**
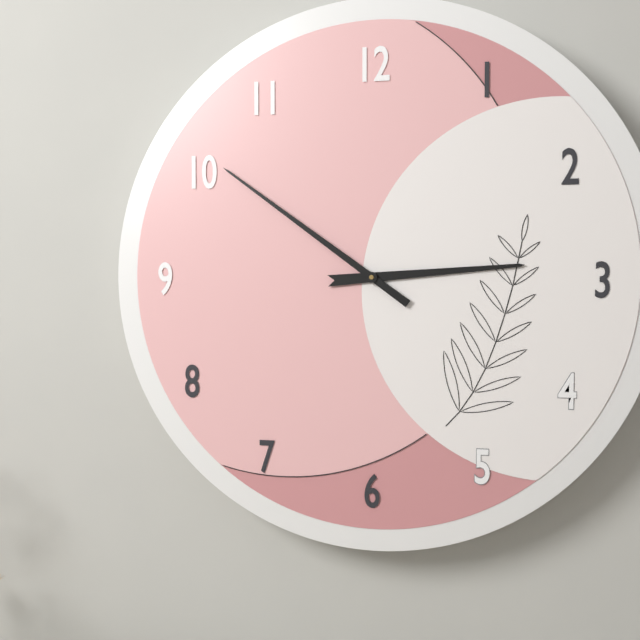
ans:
**2:51**
